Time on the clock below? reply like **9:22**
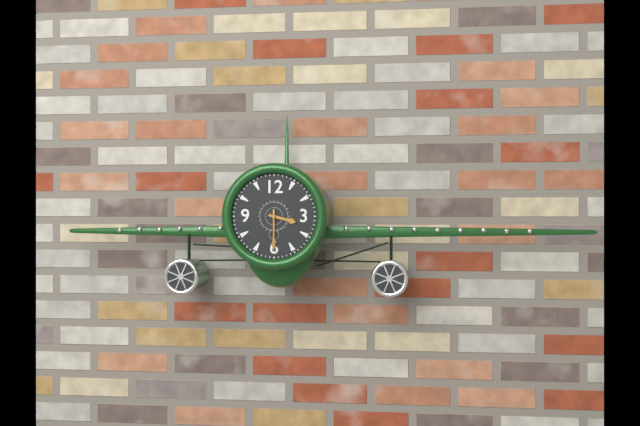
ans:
**3:30**
